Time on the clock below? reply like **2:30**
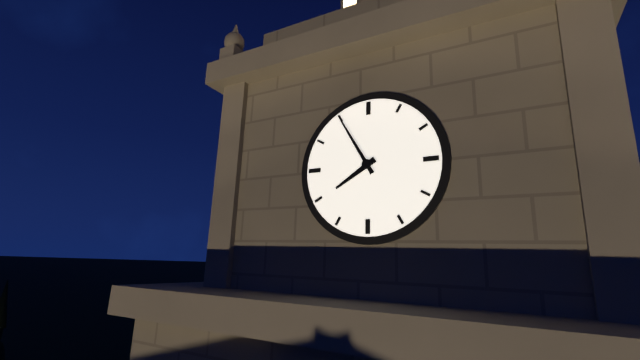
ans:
**7:55**
